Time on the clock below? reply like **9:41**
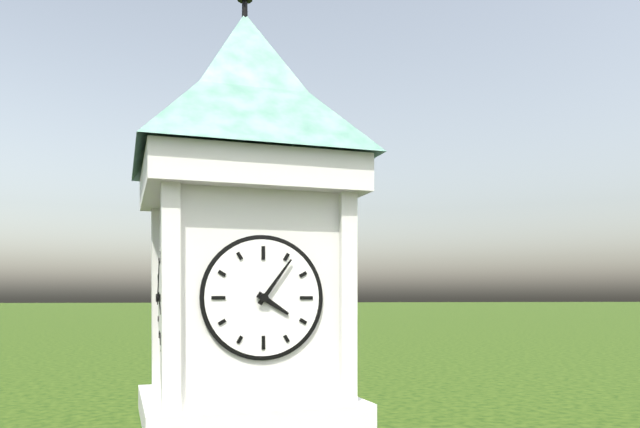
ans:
**4:06**
